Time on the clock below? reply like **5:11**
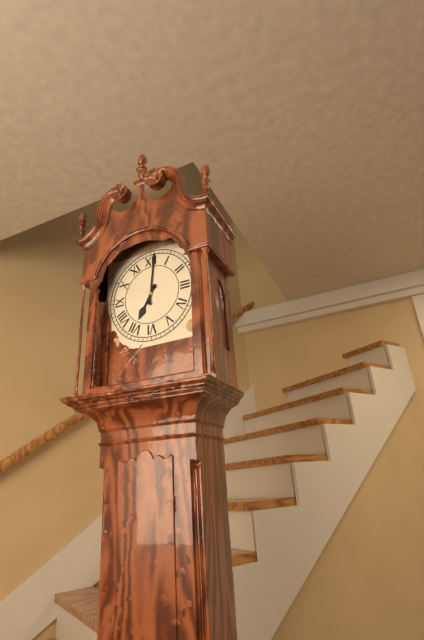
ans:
**7:01**
